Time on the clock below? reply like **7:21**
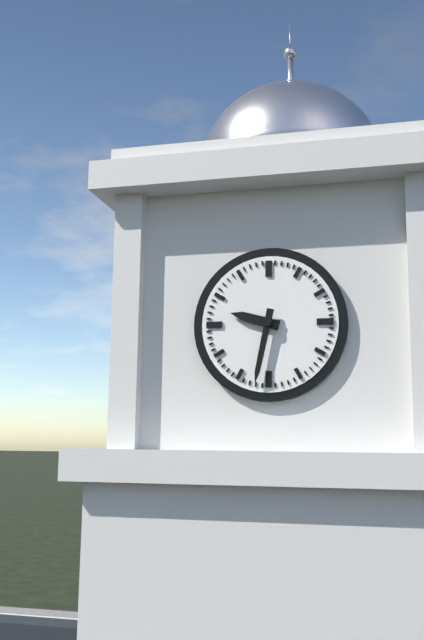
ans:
**9:32**
